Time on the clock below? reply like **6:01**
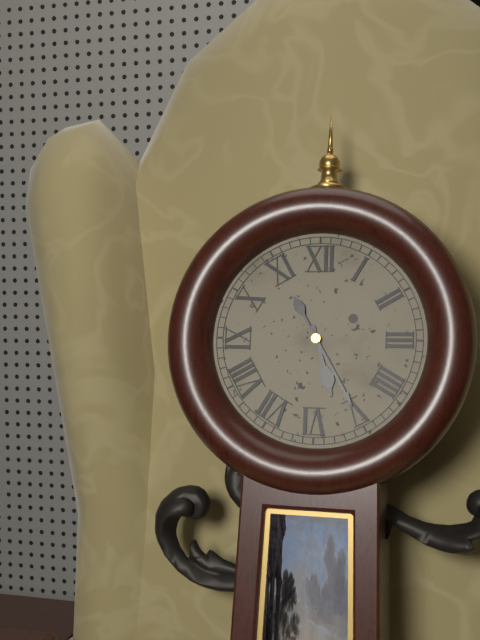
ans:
**5:25**
